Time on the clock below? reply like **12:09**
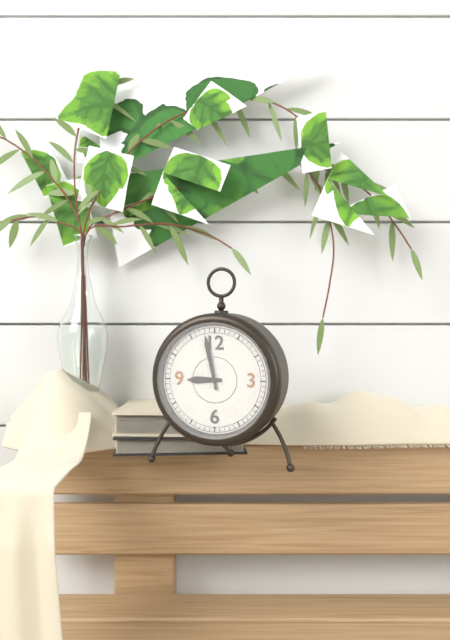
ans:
**8:58**
